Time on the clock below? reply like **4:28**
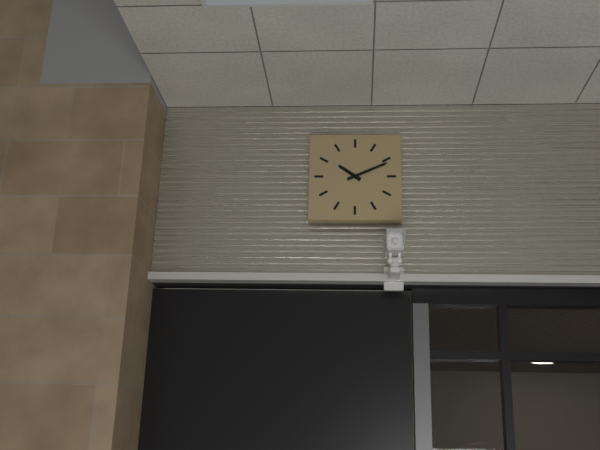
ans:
**10:11**
